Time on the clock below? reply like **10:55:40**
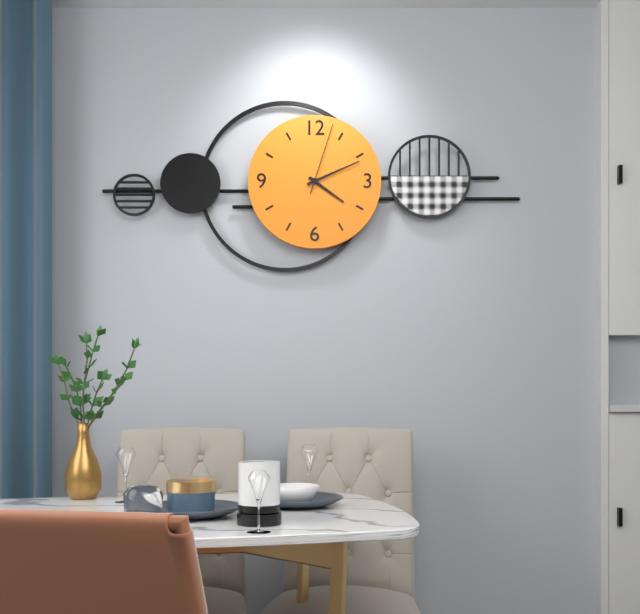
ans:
**4:11:03**
